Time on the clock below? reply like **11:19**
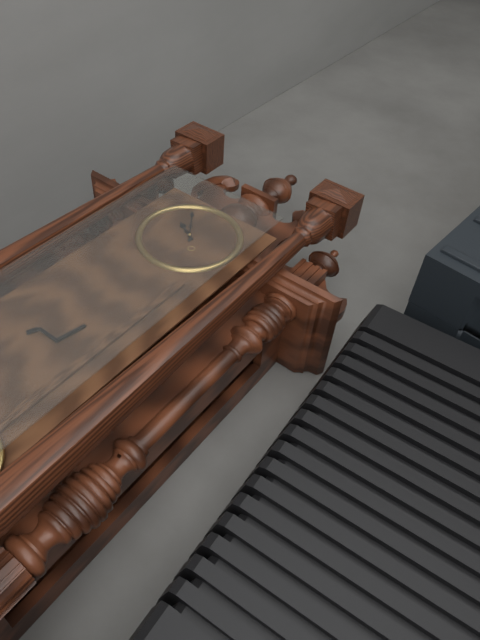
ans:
**9:54**
